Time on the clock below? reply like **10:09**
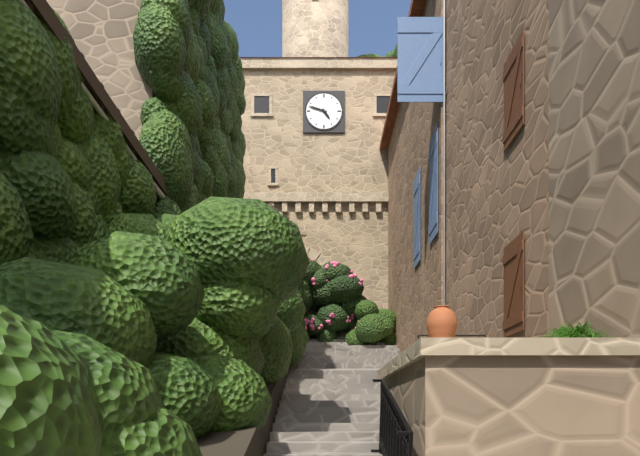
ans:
**4:48**
